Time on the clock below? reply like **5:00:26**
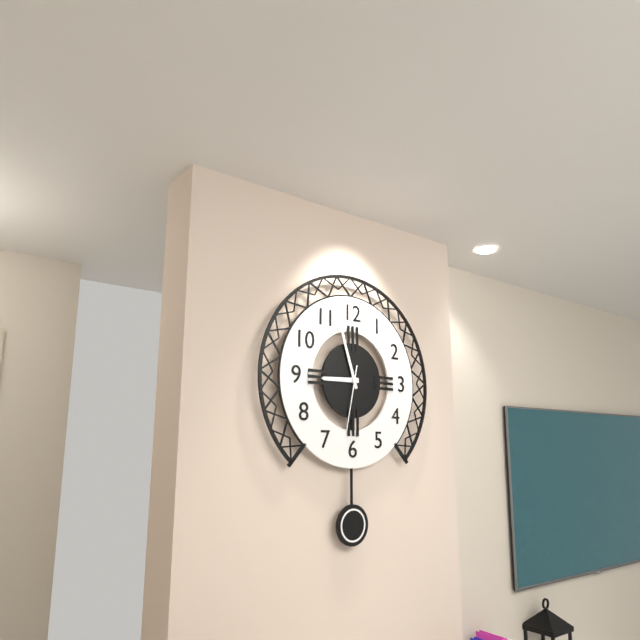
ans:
**8:57:32**
